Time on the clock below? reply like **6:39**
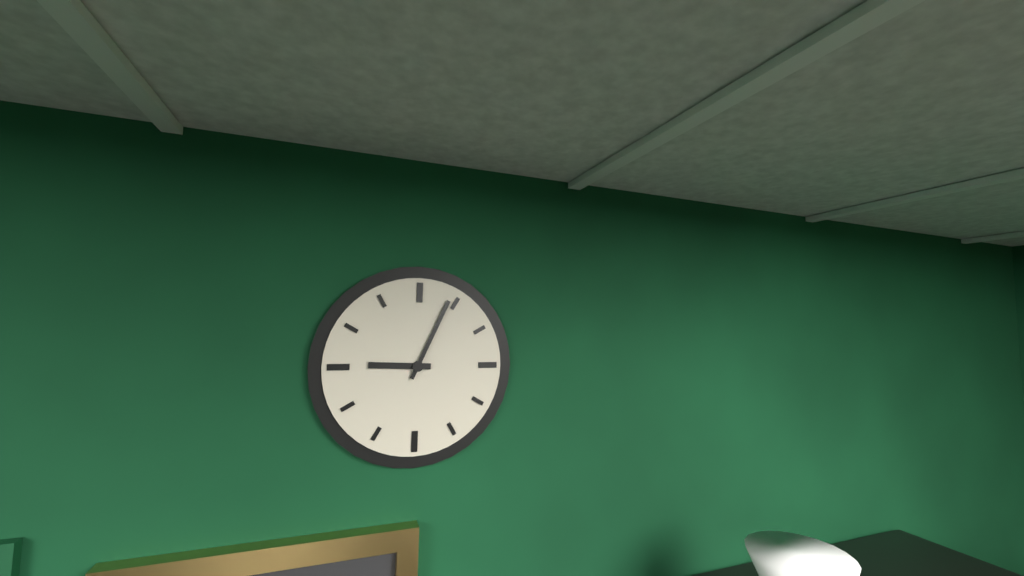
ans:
**9:04**
